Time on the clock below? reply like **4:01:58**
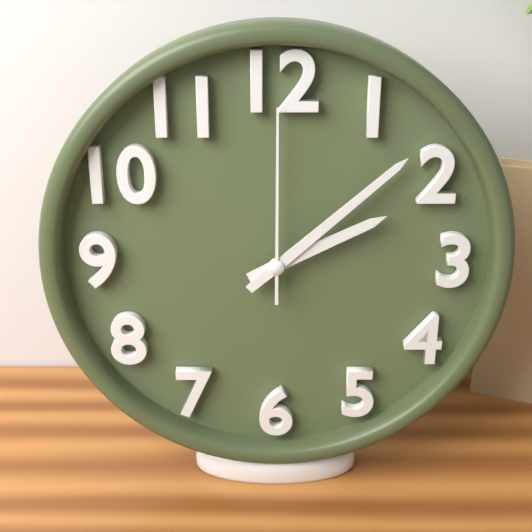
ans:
**2:08:00**
